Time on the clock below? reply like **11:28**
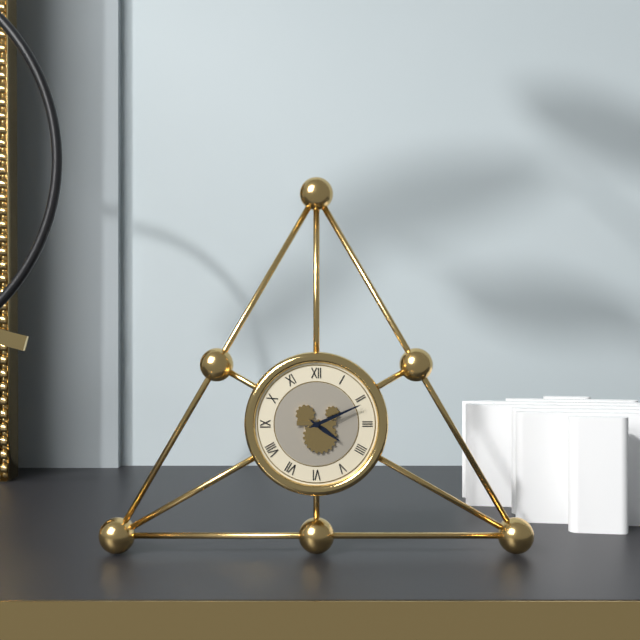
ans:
**4:11**
